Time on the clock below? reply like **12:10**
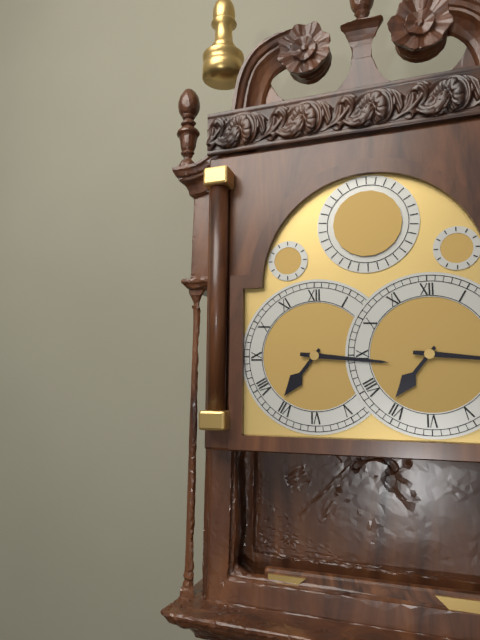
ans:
**7:16**
